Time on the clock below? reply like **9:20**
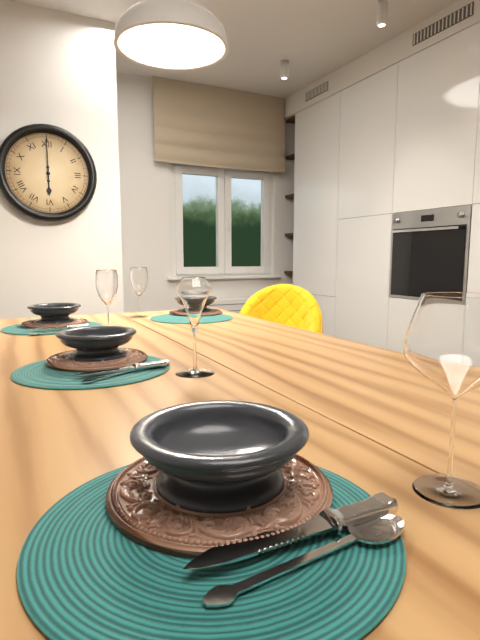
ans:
**6:00**
